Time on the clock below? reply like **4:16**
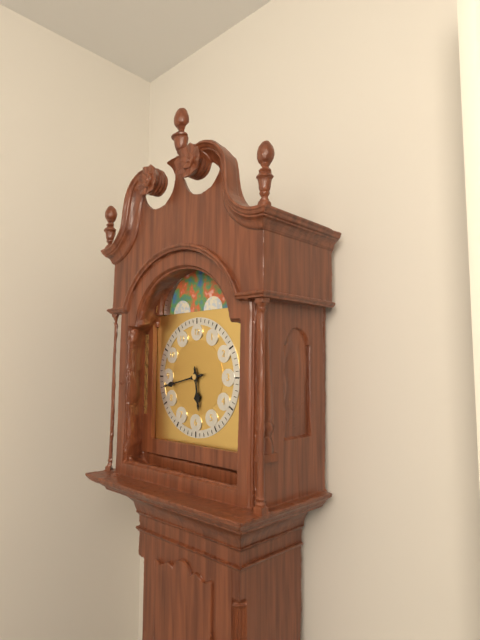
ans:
**5:43**
